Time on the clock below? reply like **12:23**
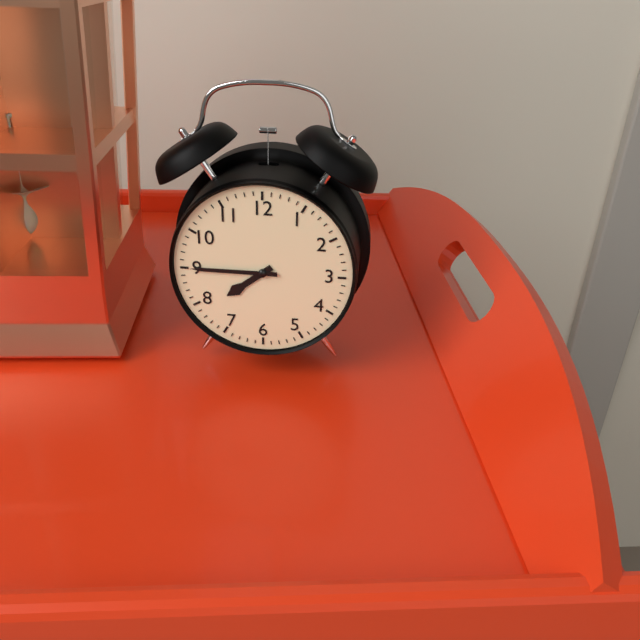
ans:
**7:45**
